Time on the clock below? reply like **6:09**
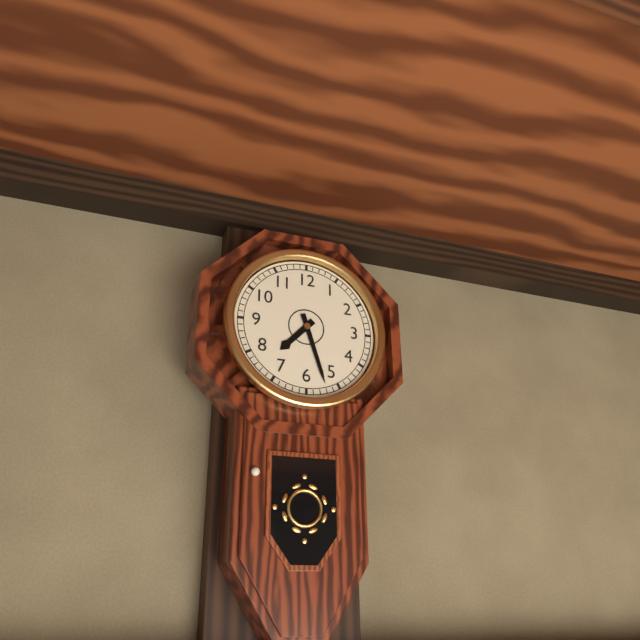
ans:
**7:27**
